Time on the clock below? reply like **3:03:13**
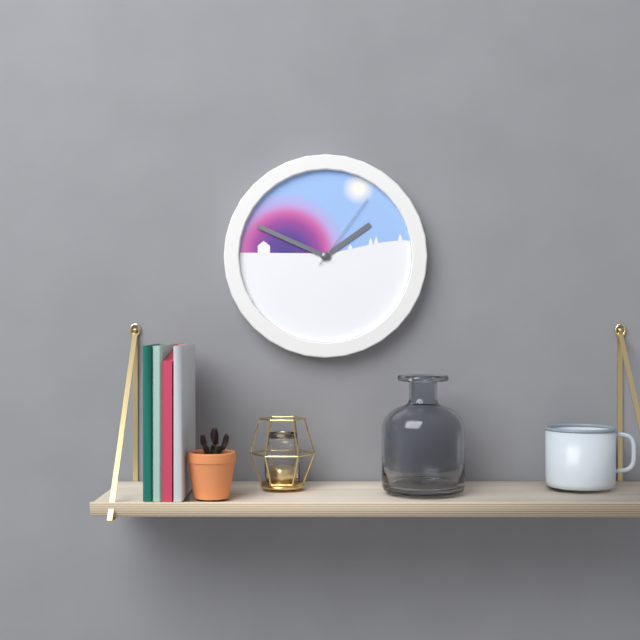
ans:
**1:49:06**
